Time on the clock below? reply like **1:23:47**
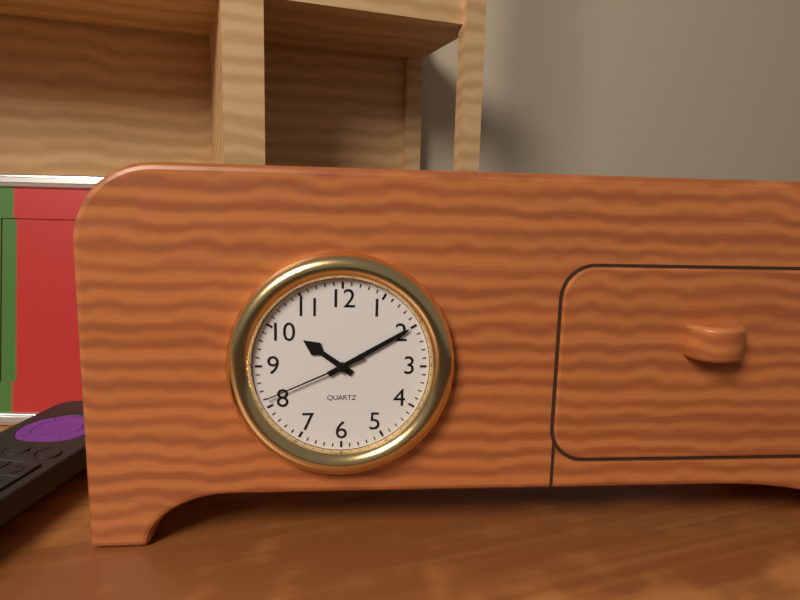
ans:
**10:10:41**
